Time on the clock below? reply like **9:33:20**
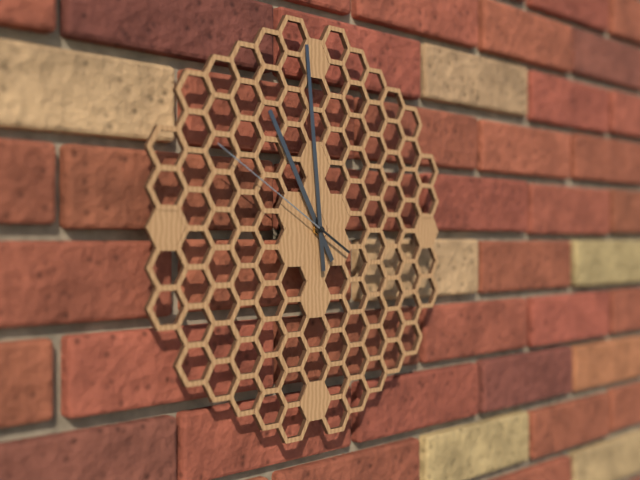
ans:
**10:59:50**
